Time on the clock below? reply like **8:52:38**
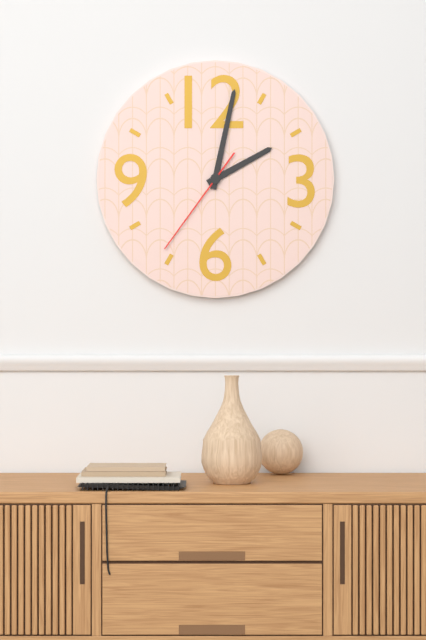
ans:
**2:02:36**
